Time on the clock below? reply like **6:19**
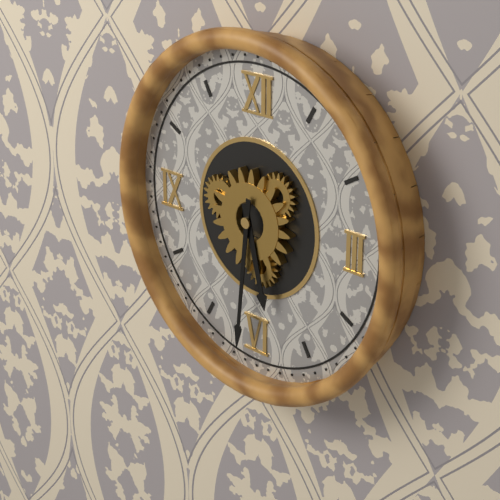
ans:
**5:31**
